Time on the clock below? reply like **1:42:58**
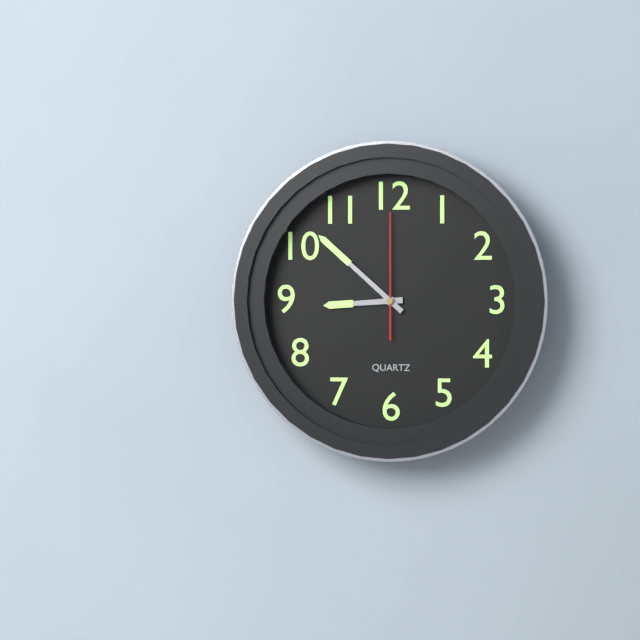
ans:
**8:52:00**
